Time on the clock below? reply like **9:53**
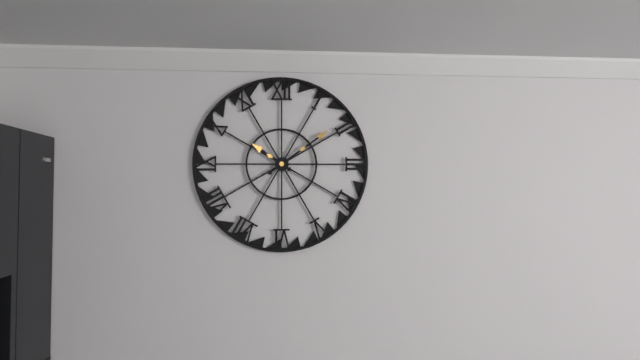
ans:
**10:09**
